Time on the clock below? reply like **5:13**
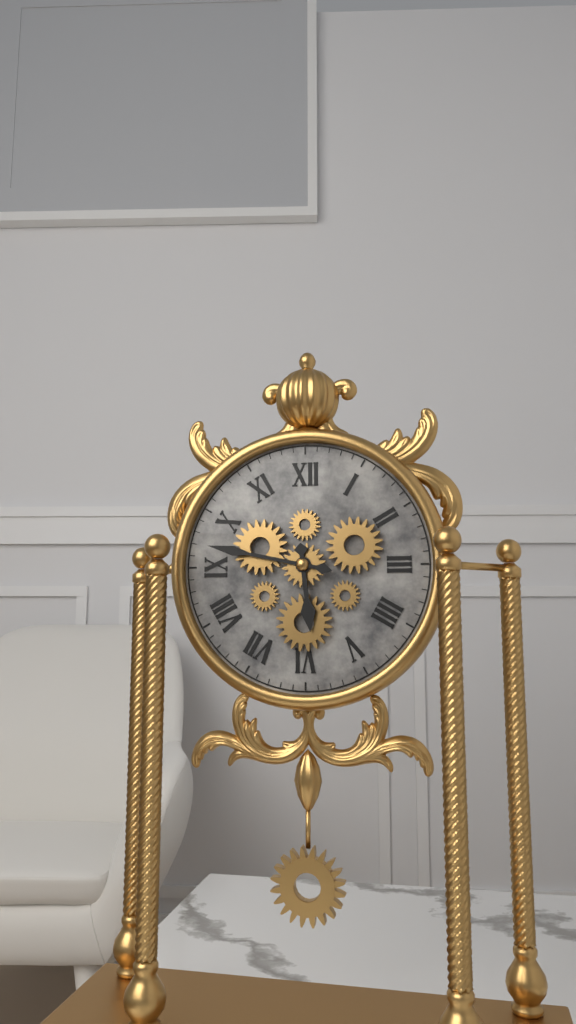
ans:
**5:47**
